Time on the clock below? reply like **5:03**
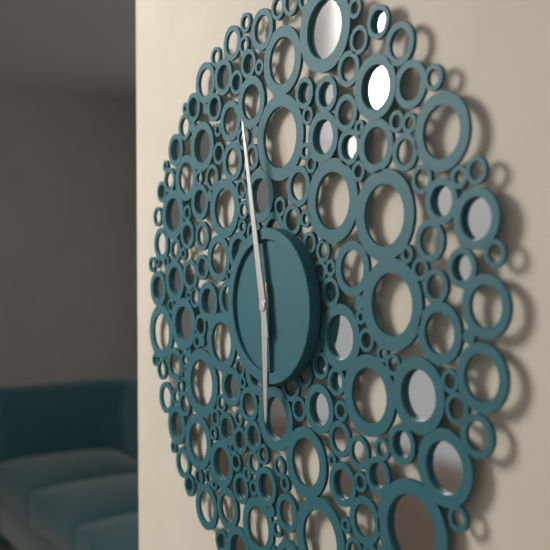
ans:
**5:58**
